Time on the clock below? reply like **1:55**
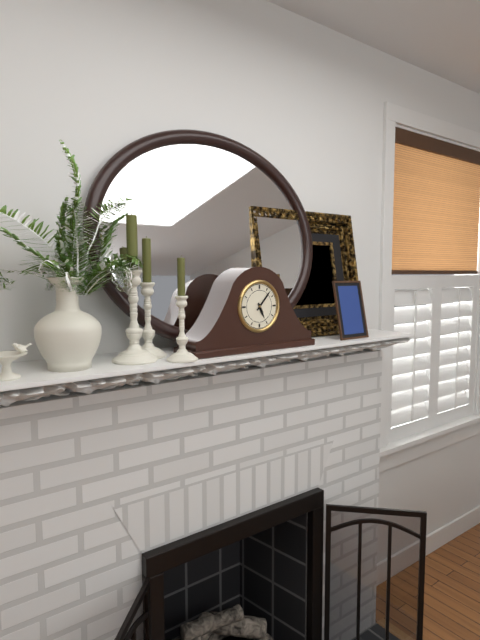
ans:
**5:07**
